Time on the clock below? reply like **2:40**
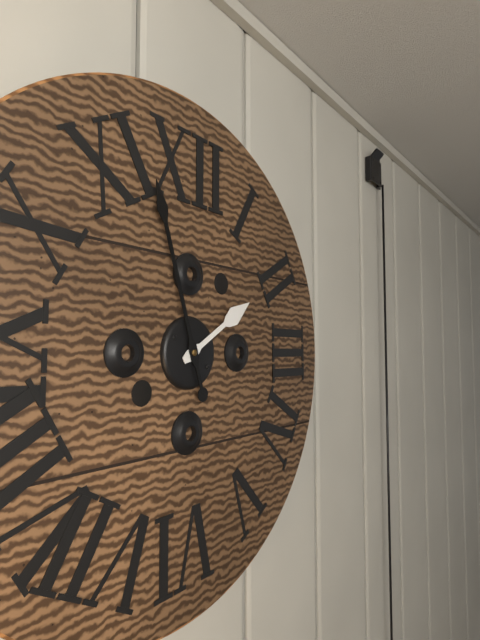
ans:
**1:57**
